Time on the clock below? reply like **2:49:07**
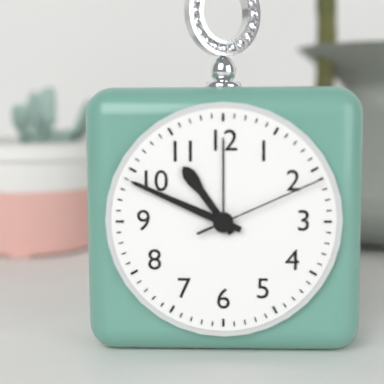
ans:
**10:49:11**
